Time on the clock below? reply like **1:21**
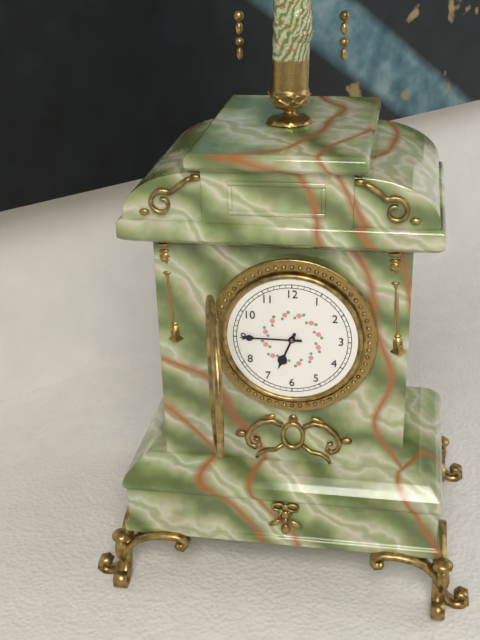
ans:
**6:45**
